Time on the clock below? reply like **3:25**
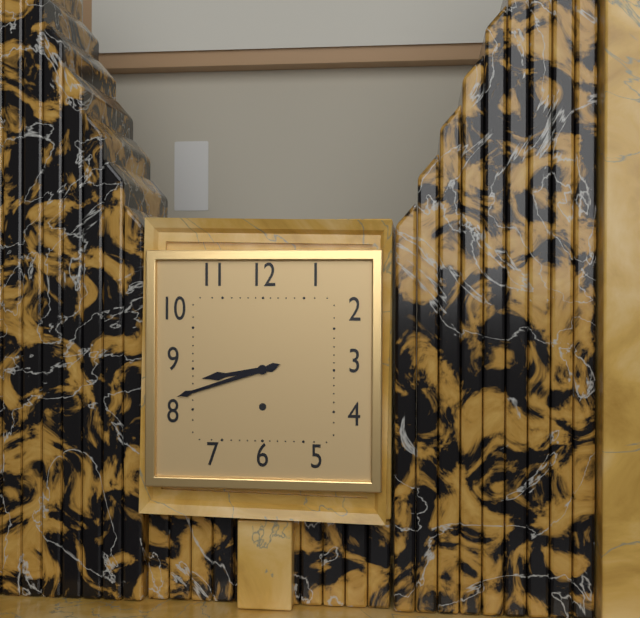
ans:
**8:42**
